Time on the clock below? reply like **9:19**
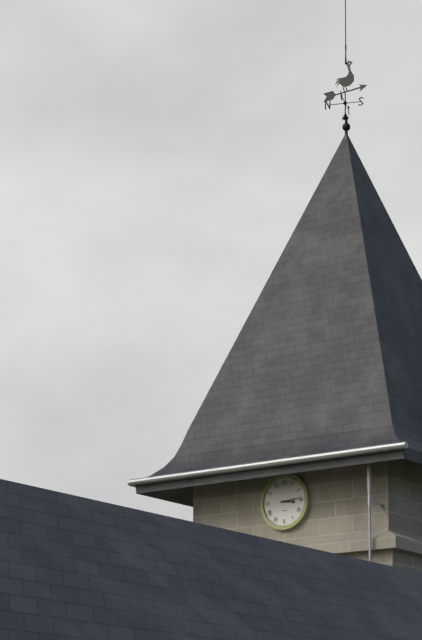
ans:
**3:14**
